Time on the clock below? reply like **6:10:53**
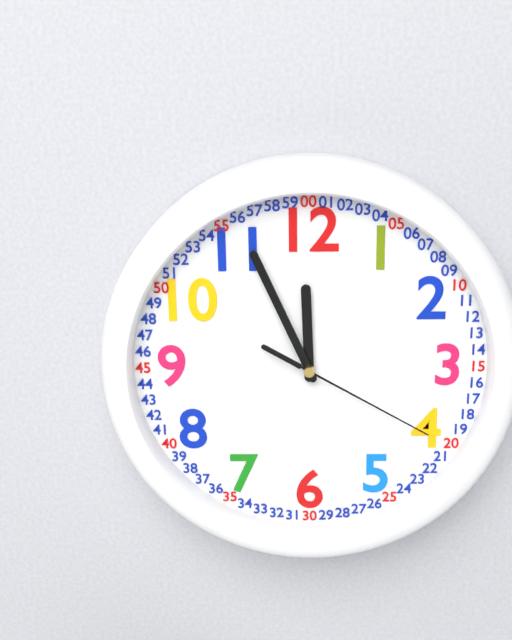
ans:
**11:56:20**
